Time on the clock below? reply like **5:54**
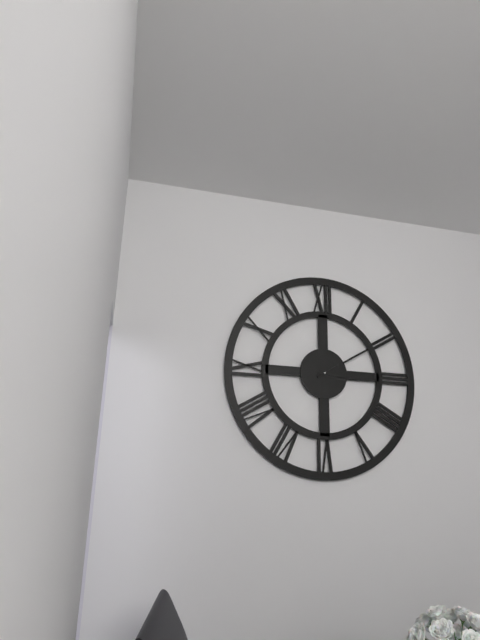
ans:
**3:10**
